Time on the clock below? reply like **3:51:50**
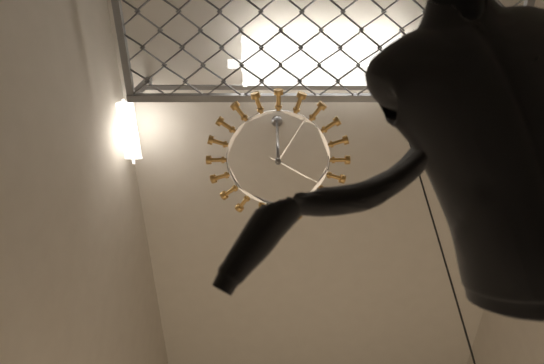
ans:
**4:05:20**
